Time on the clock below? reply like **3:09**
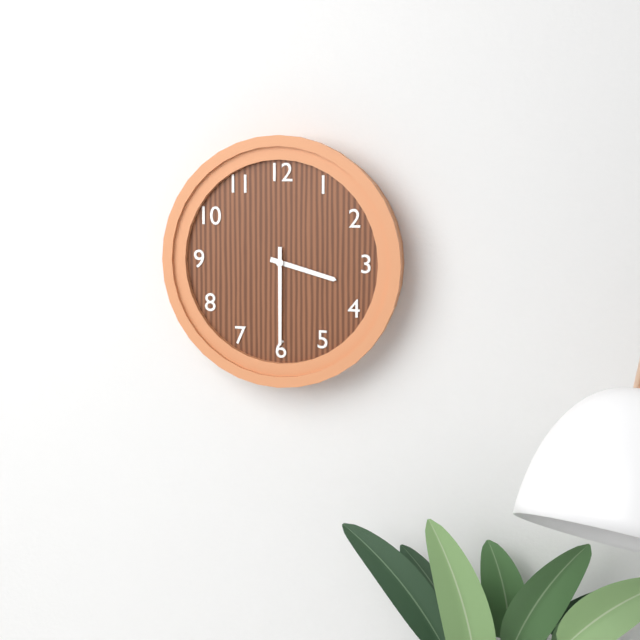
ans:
**3:30**
